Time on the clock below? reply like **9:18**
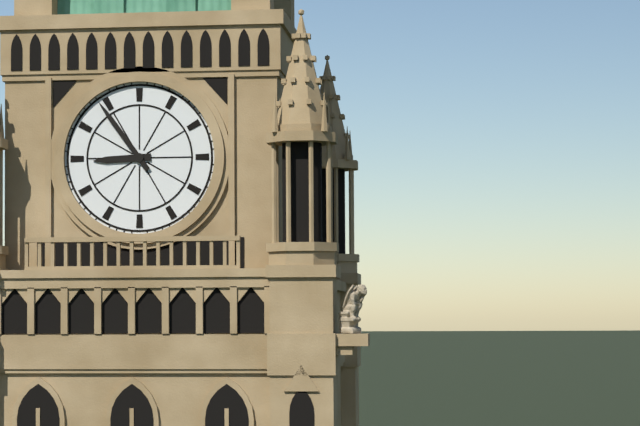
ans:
**8:54**
